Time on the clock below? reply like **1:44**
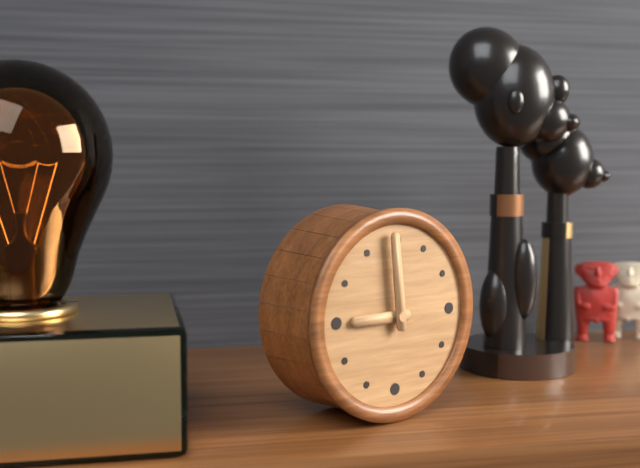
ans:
**8:59**
